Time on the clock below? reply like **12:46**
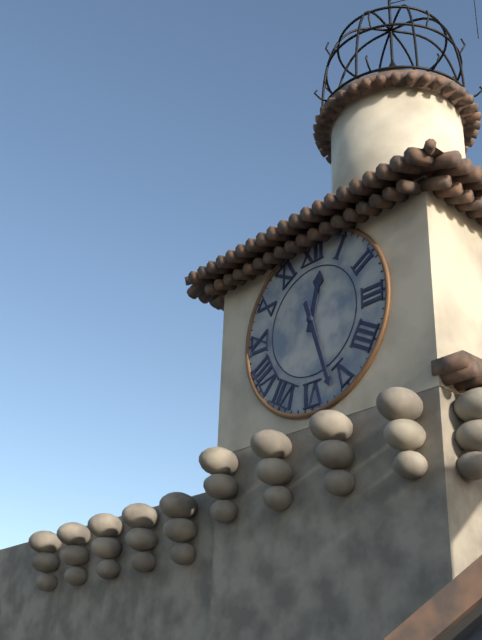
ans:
**12:27**
